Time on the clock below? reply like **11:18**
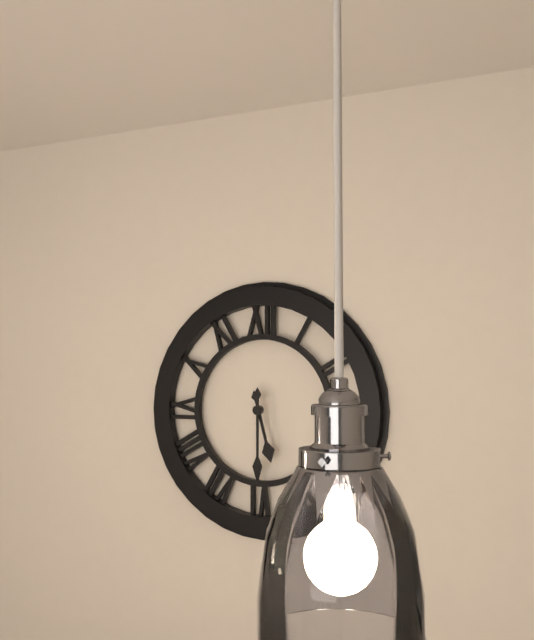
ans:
**5:30**
